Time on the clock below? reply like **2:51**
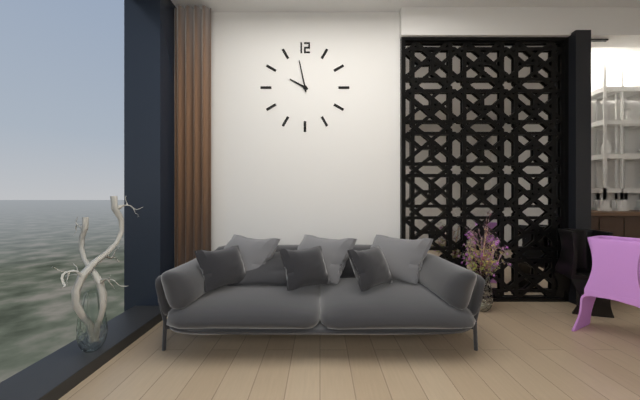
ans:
**9:58**
